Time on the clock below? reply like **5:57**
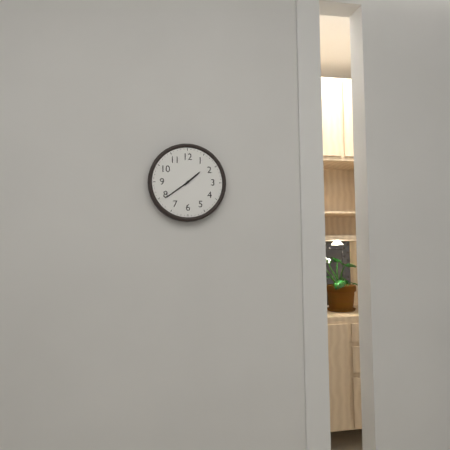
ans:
**1:39**
